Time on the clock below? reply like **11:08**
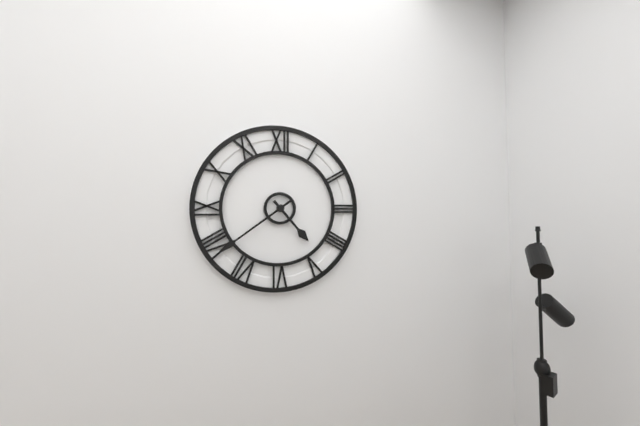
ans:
**4:39**
